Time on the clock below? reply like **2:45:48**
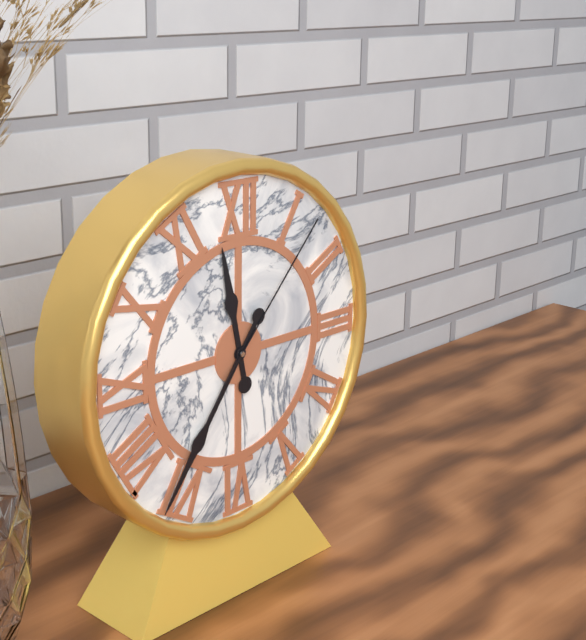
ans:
**11:36:07**
